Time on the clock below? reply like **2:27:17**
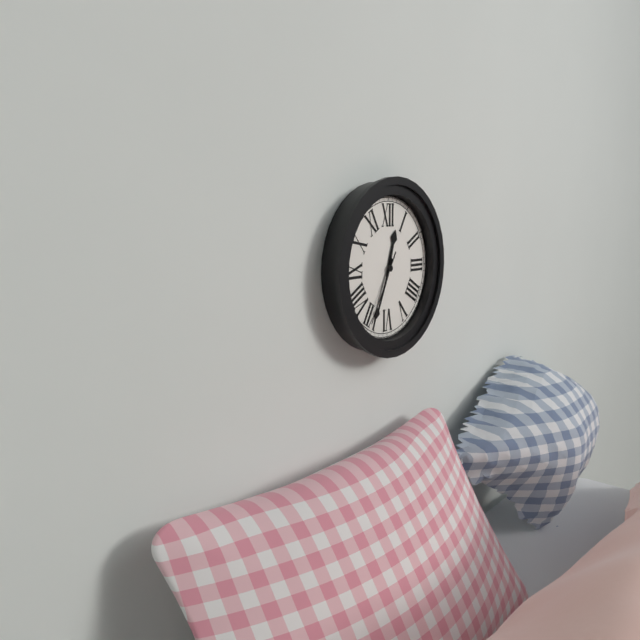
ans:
**12:34:35**
